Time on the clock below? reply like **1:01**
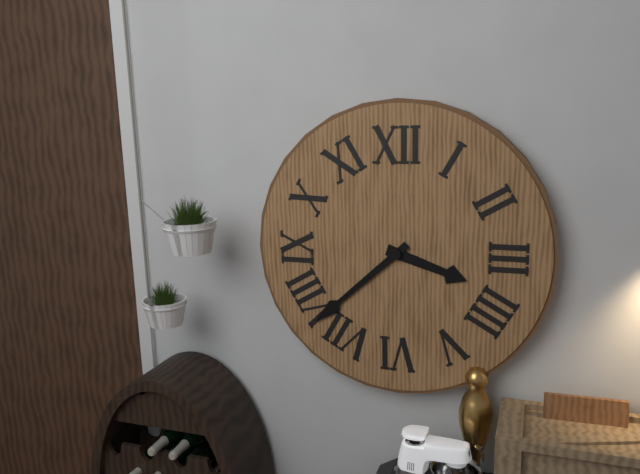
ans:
**3:38**
